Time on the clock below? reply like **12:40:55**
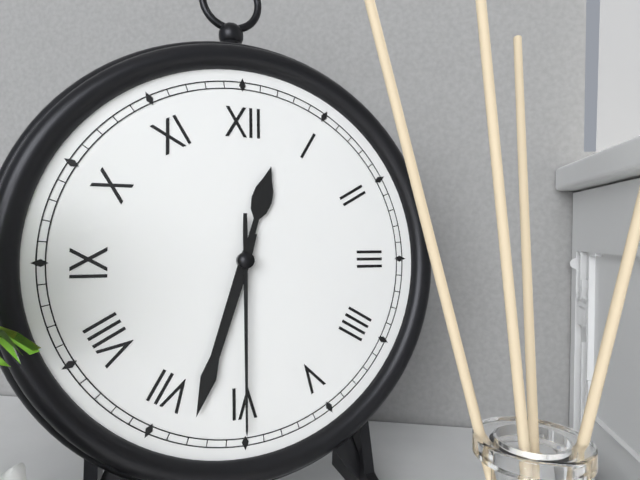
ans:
**12:33:30**
